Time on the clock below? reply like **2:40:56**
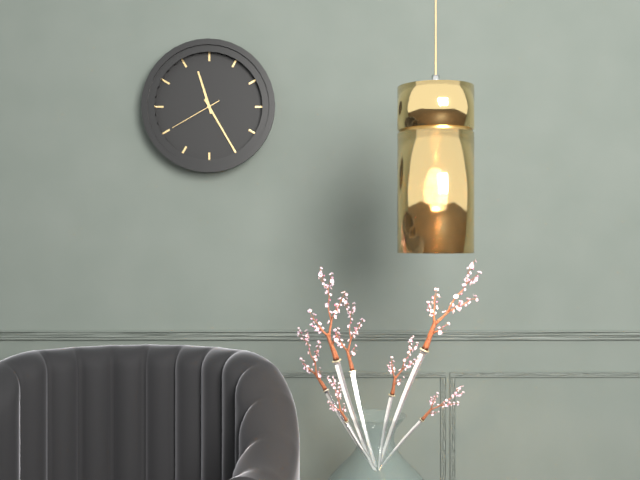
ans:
**11:25:40**
